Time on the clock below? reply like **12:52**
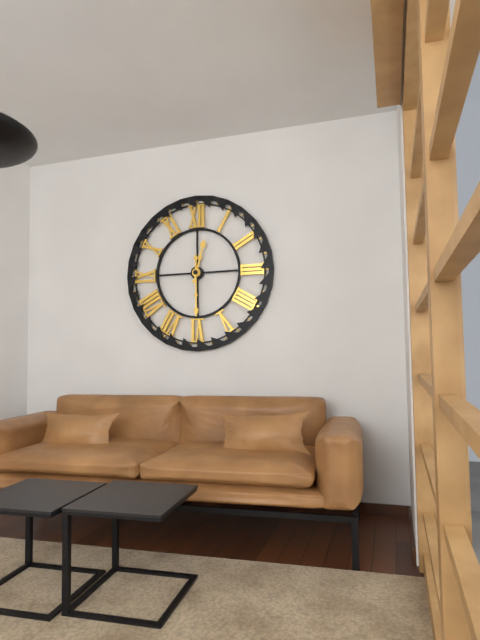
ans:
**12:30**
